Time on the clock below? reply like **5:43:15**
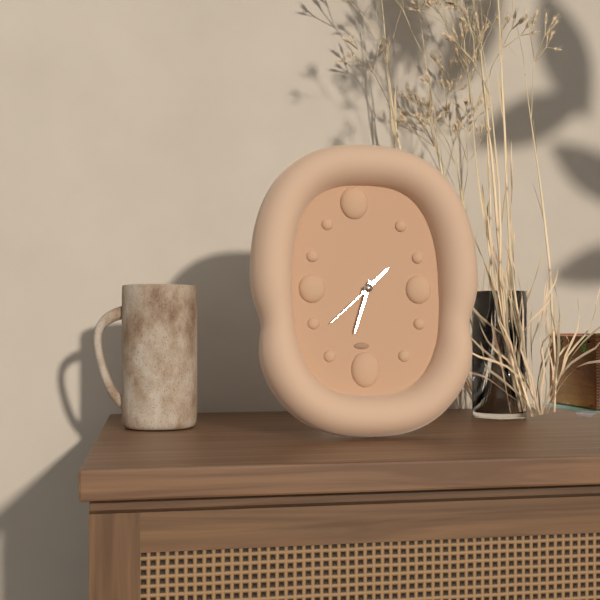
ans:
**1:33:38**
